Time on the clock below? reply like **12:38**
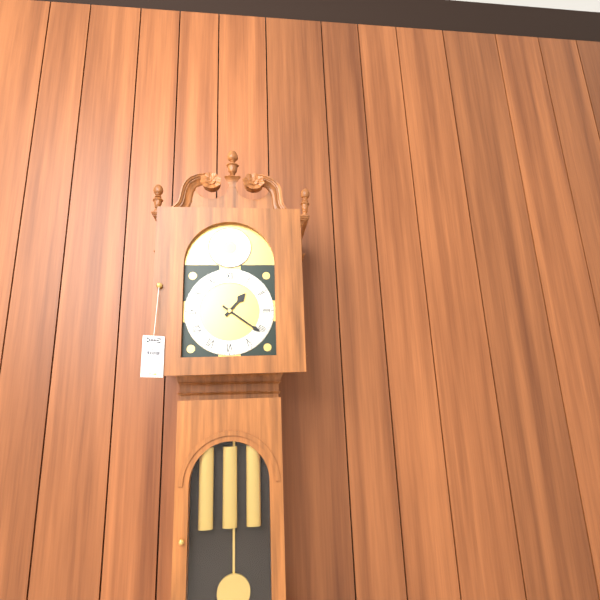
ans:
**1:21**
